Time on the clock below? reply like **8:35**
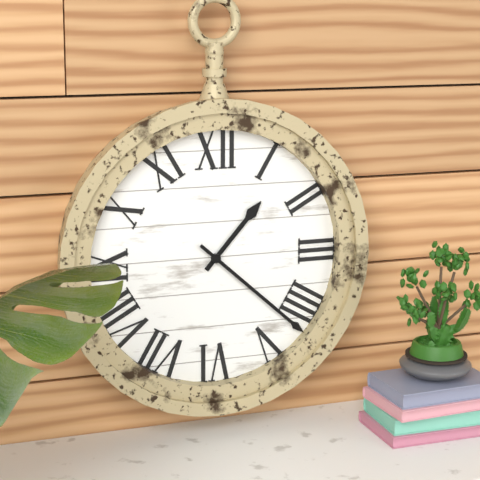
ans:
**1:22**
